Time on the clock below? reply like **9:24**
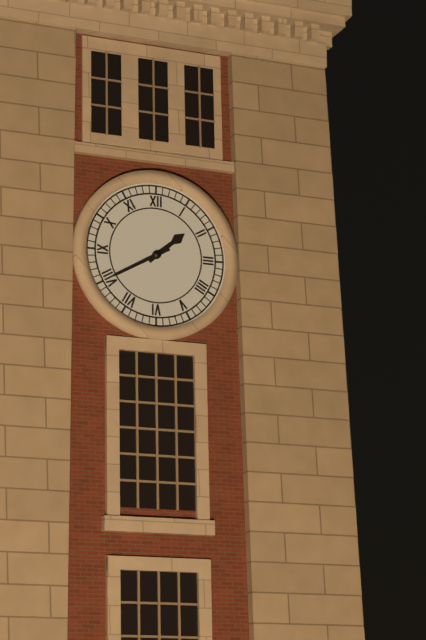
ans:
**1:40**
